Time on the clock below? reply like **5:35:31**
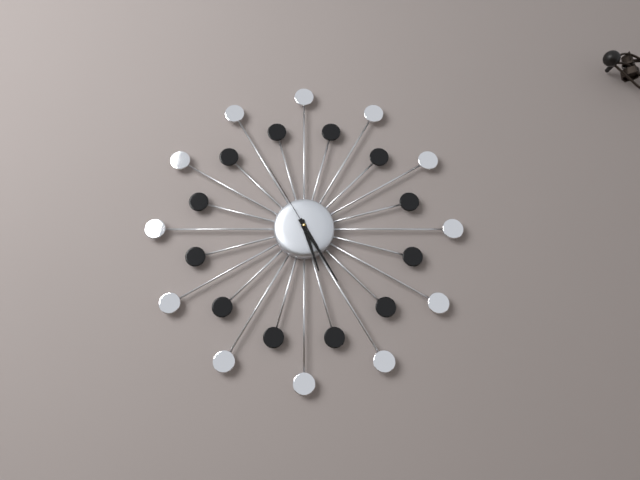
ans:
**5:25:55**
